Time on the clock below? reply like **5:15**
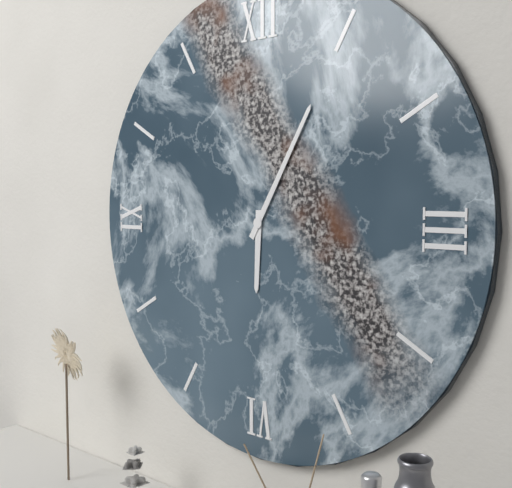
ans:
**6:05**
